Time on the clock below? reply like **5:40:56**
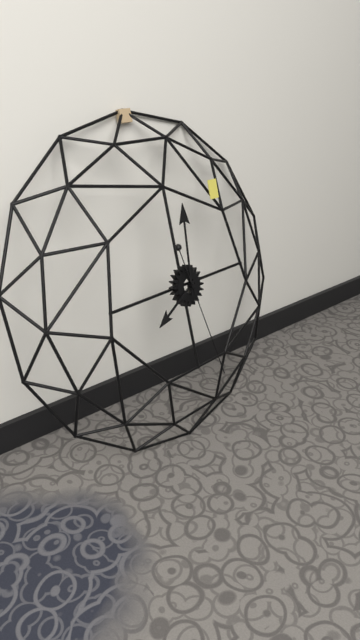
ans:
**8:01:28**
